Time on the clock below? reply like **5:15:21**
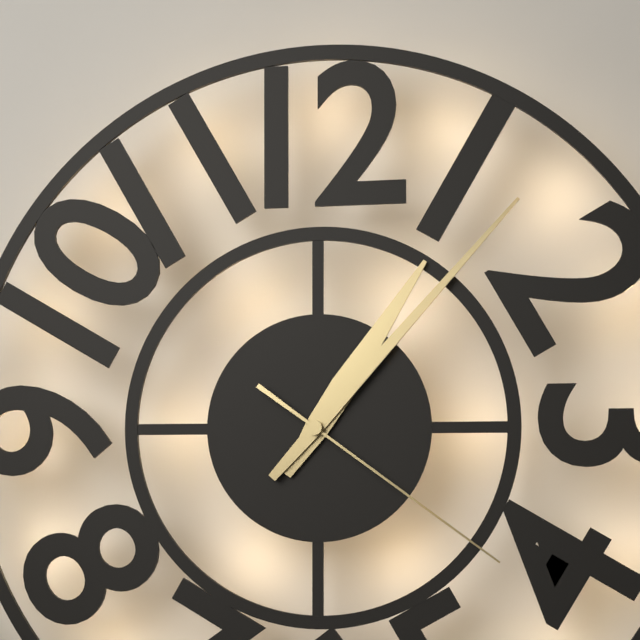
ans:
**1:07:21**
